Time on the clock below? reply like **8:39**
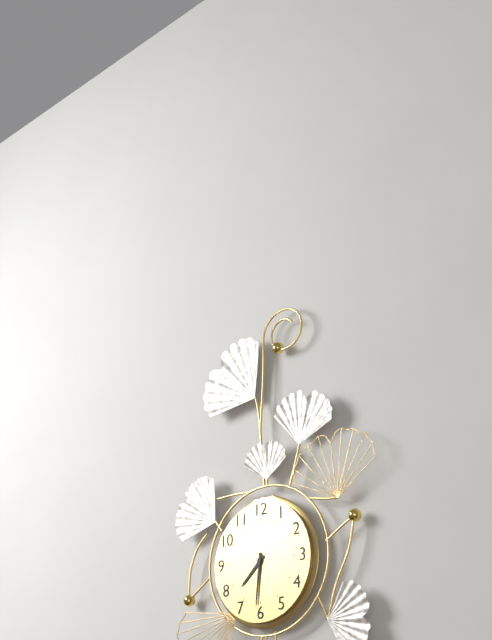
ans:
**7:31**
